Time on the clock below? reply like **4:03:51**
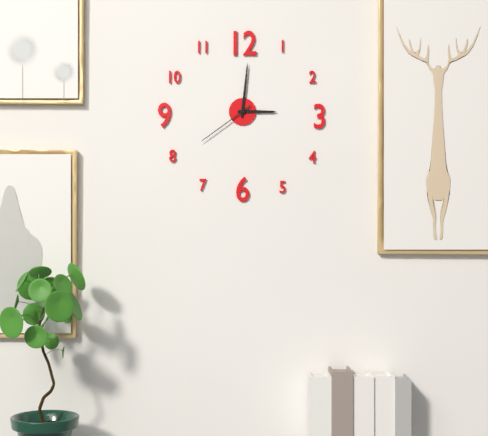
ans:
**3:01:39**
